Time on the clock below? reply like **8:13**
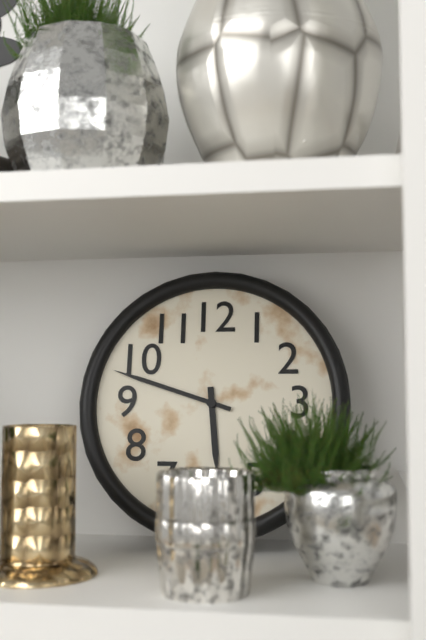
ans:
**5:48**
